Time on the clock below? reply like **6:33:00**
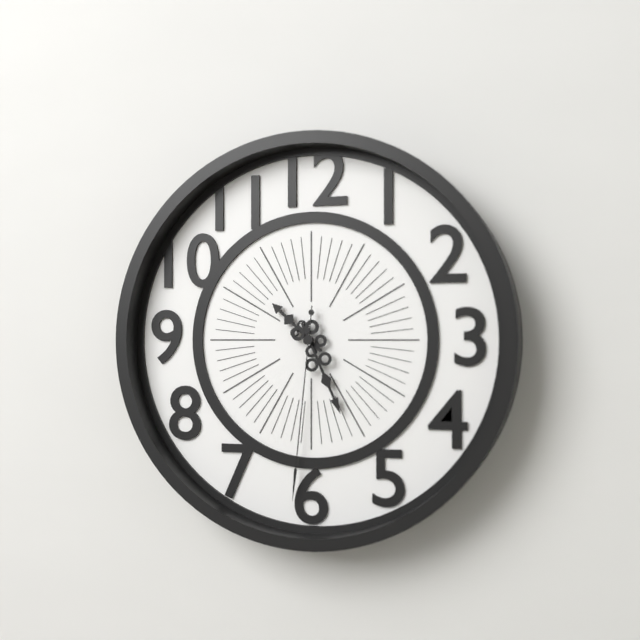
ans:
**10:26:31**
